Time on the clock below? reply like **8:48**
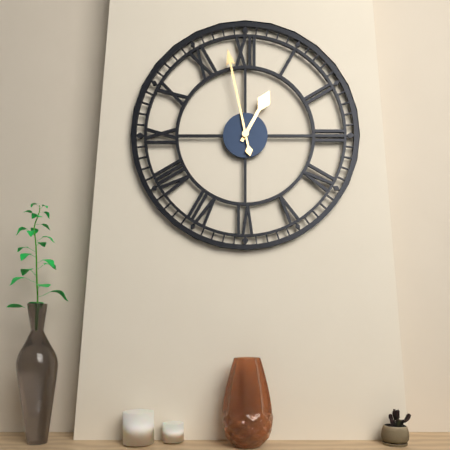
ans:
**12:58**
